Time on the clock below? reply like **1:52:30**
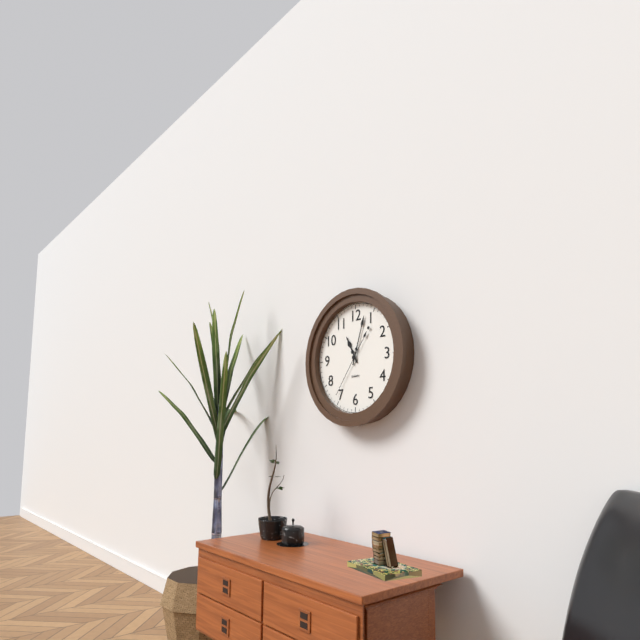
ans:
**11:03:36**
